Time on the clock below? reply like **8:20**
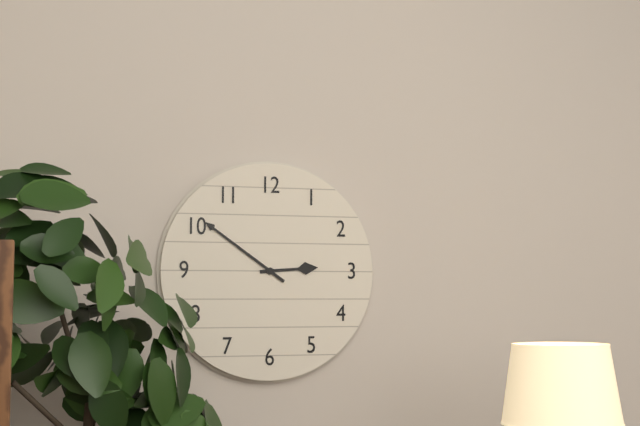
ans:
**2:51**
